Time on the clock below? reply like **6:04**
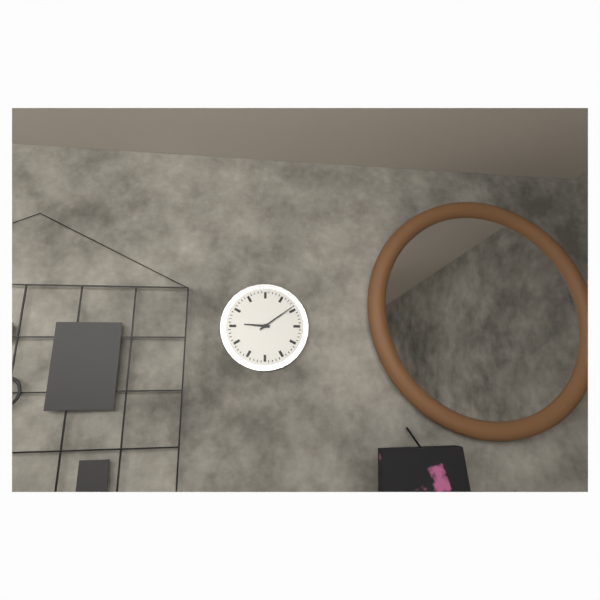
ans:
**9:09**
